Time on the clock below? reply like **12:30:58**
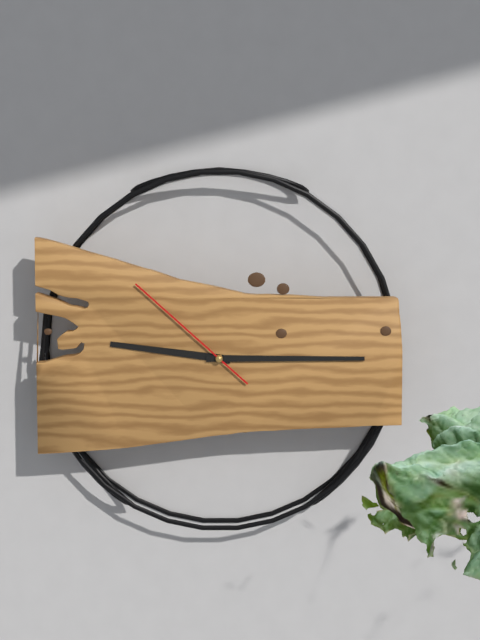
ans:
**9:15:52**
